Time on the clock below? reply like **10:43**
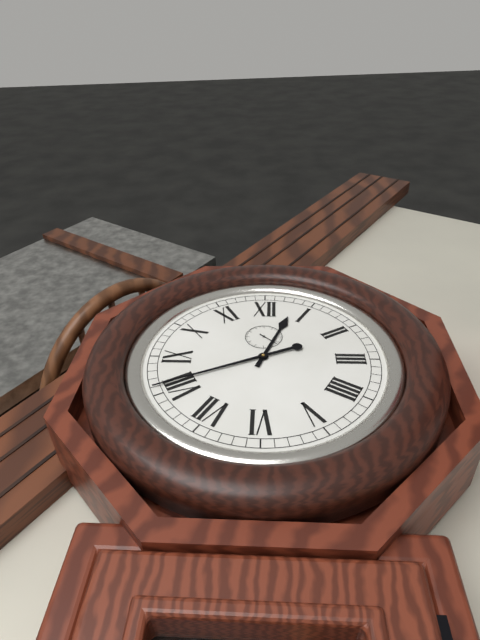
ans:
**12:41**
